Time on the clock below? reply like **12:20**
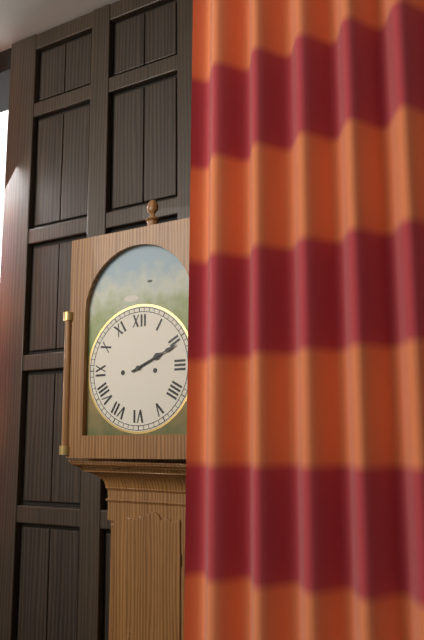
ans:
**2:11**
